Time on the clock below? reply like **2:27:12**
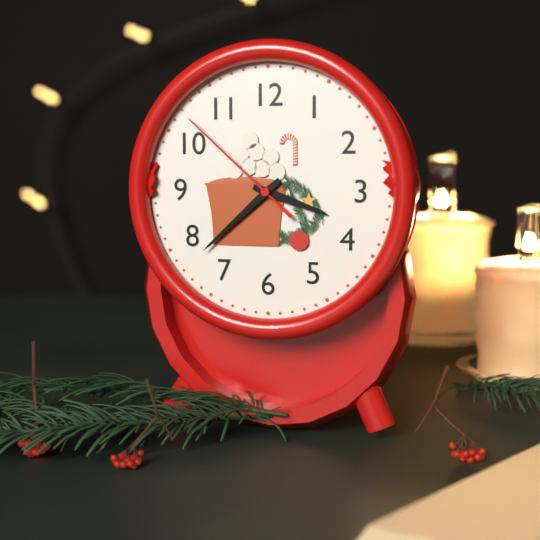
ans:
**3:38:52**
